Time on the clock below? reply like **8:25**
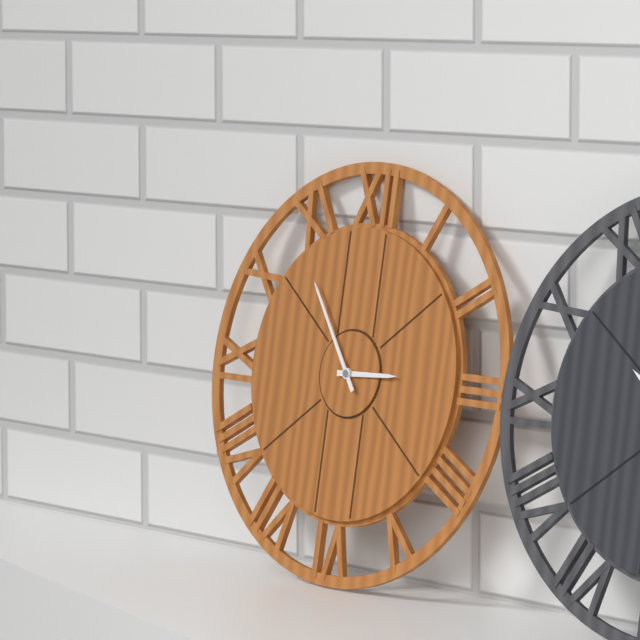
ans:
**2:54**
